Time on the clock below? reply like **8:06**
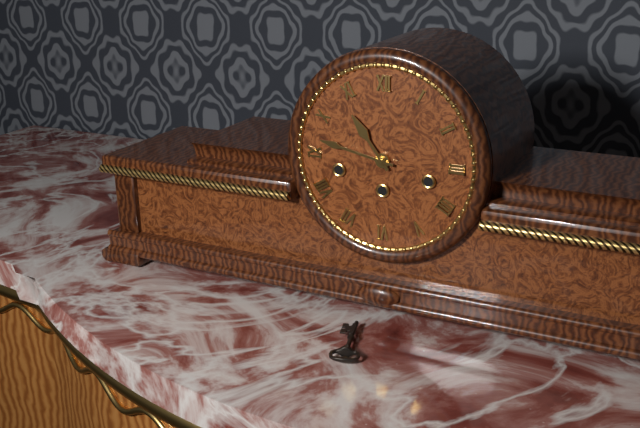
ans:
**10:47**
